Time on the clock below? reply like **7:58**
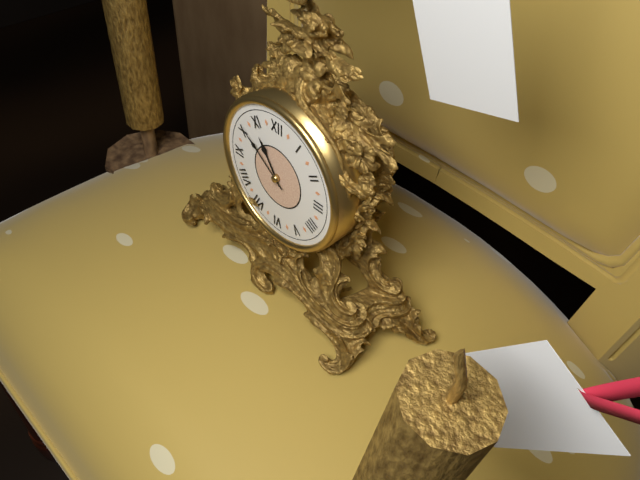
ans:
**10:51**
